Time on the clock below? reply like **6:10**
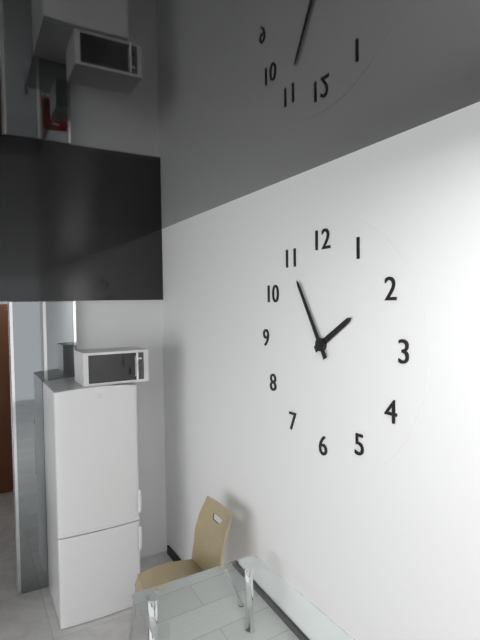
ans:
**1:55**
